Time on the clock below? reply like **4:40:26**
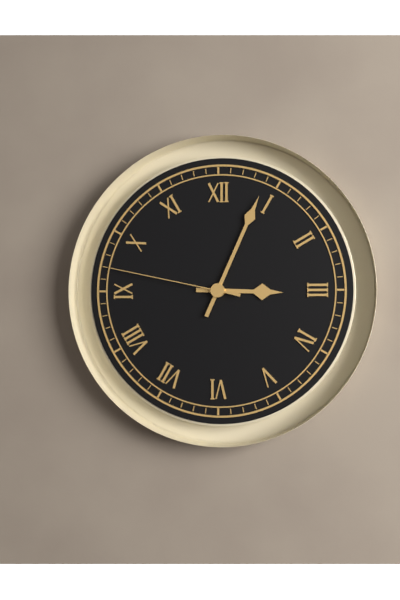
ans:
**3:04:47**
